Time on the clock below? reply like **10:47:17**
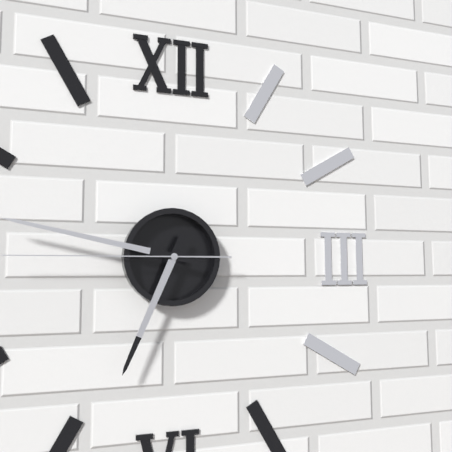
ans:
**6:47:45**
